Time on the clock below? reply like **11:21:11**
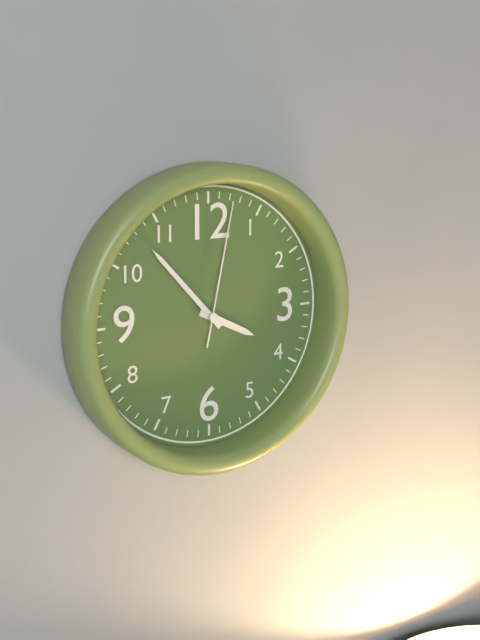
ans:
**3:53:02**
